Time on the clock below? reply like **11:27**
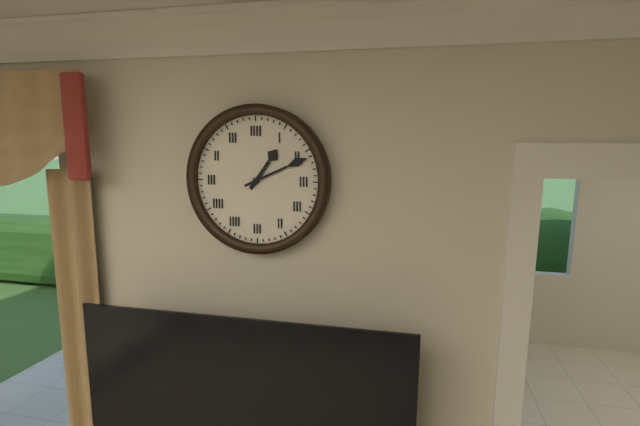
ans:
**1:11**
